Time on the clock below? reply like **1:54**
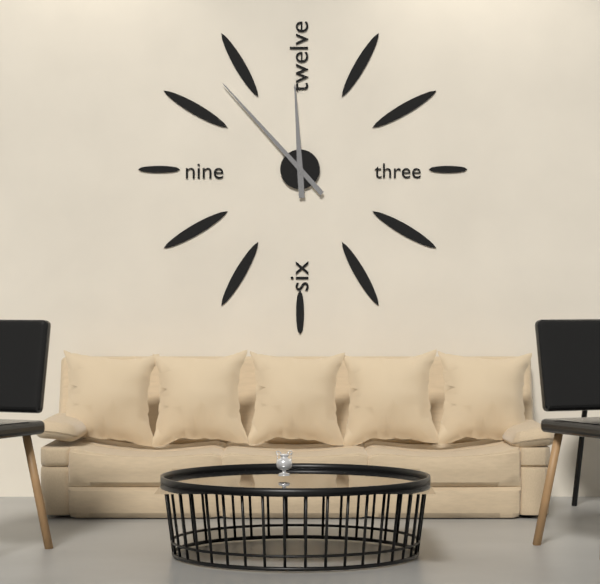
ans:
**11:53**
